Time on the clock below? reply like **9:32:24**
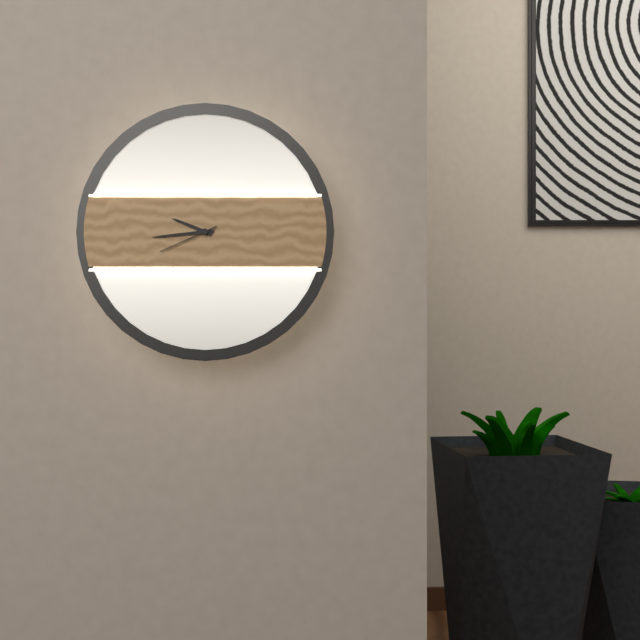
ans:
**9:44:41**
